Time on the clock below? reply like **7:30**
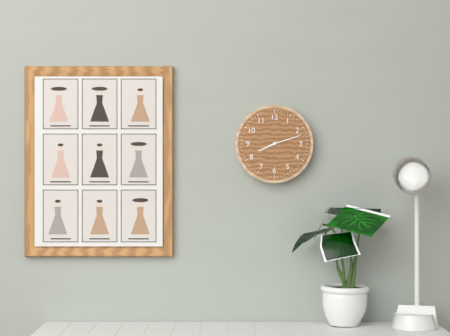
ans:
**8:12**
